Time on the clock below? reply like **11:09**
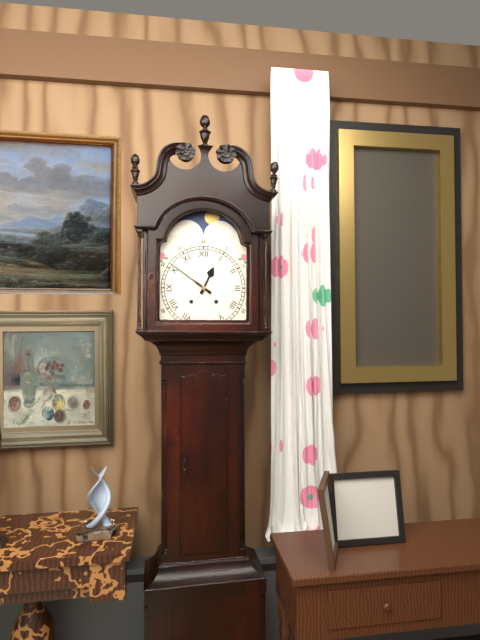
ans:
**12:51**
